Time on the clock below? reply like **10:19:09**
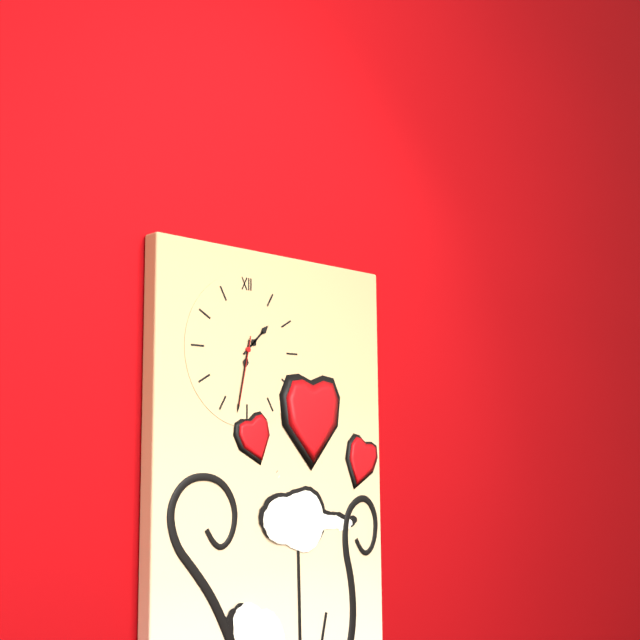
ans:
**1:32:32**
